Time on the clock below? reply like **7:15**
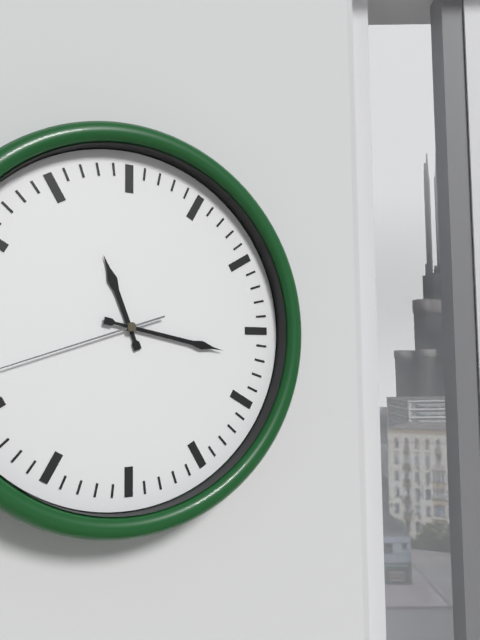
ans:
**11:17**
